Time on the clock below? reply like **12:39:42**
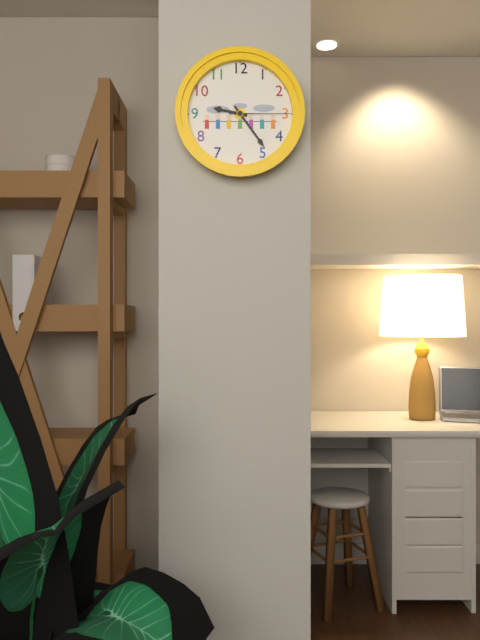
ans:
**9:24:15**
